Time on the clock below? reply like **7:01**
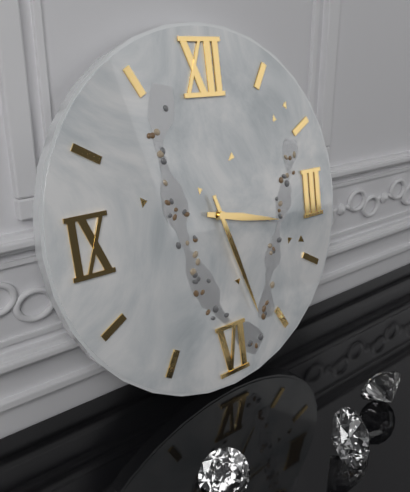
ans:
**3:27**
